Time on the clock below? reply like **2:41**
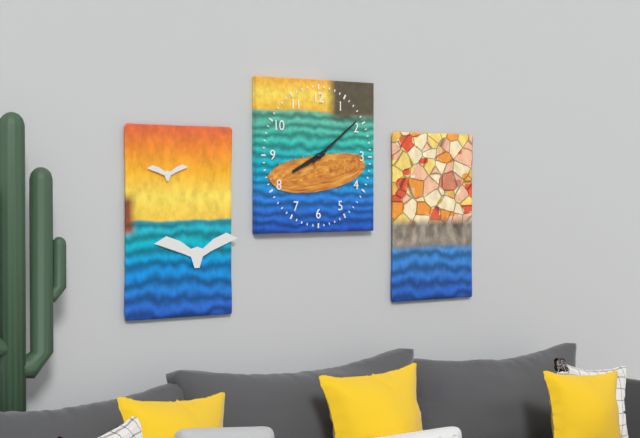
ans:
**8:09**
